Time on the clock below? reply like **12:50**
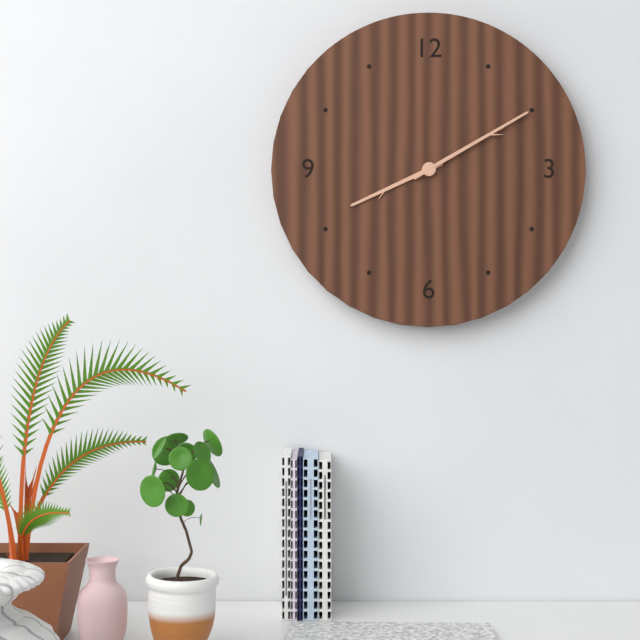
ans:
**8:10**
